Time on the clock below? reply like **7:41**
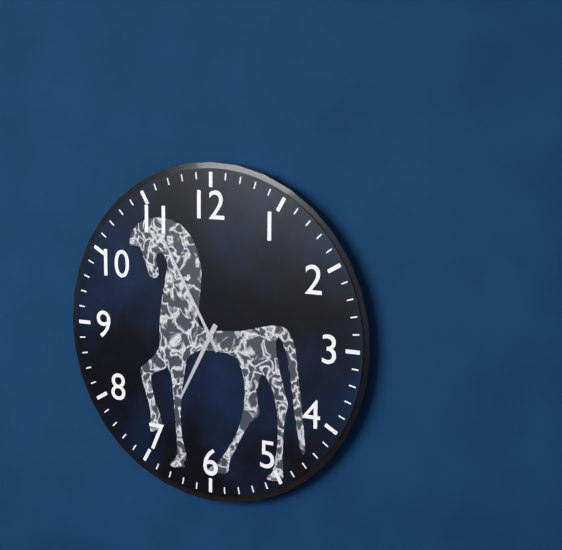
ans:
**6:55**
